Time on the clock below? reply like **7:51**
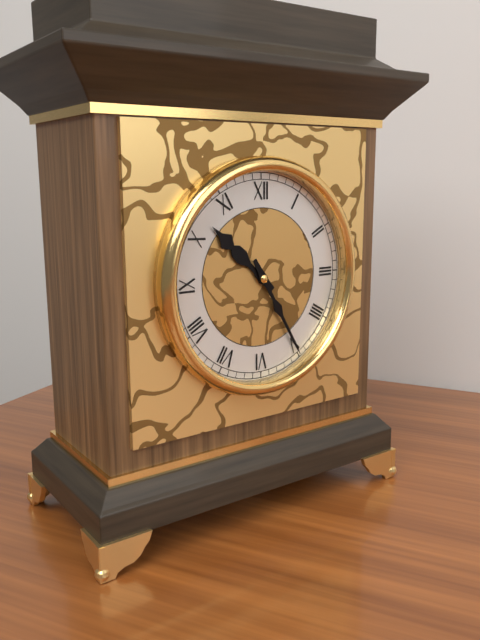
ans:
**10:25**
